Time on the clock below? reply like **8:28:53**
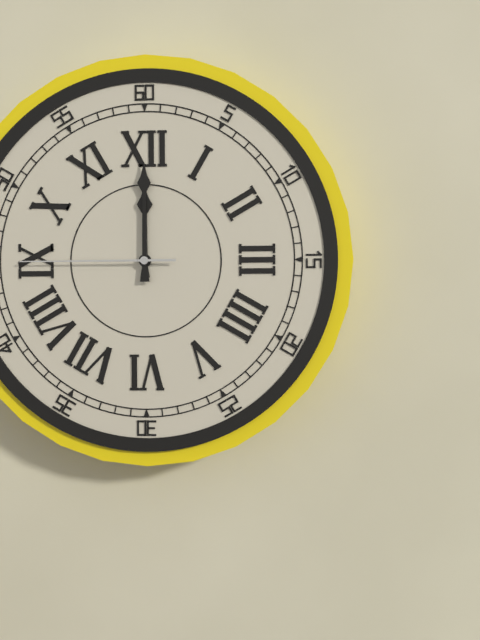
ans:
**12:00:45**
